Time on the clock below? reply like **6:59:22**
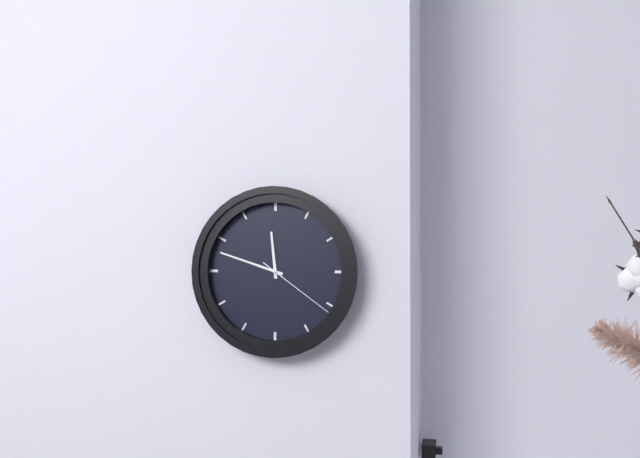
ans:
**11:48:21**
